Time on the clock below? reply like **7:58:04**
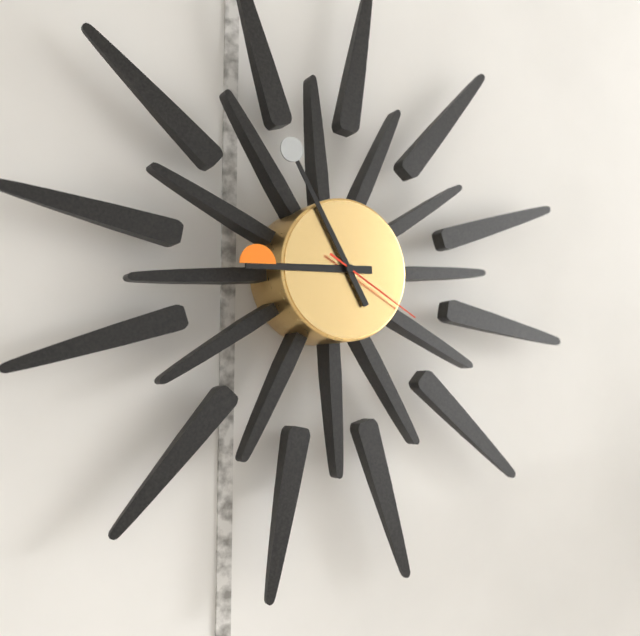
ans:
**8:55:20**
